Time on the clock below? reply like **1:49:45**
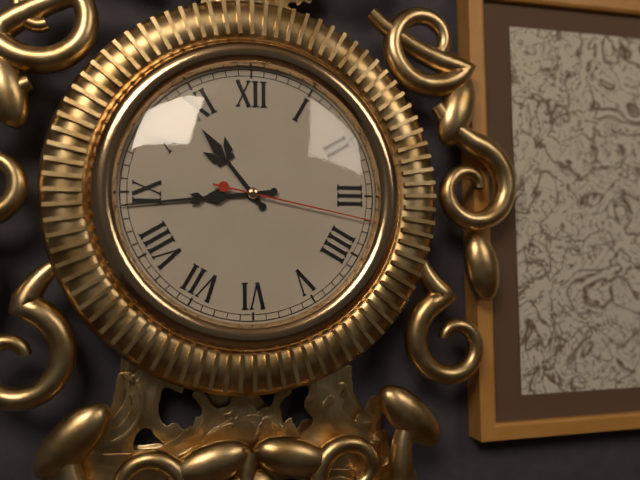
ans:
**10:44:17**
